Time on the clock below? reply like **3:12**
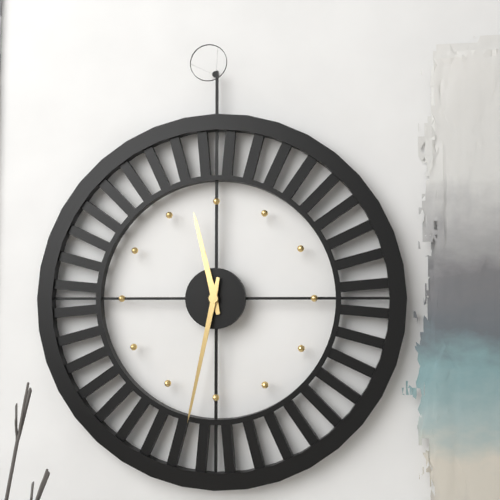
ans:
**11:32**
